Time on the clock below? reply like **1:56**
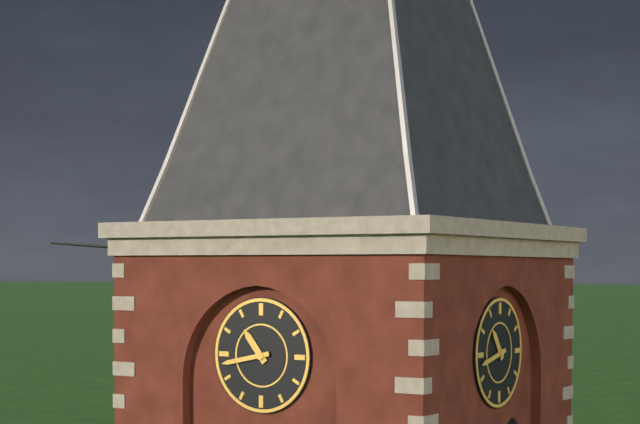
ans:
**10:43**
